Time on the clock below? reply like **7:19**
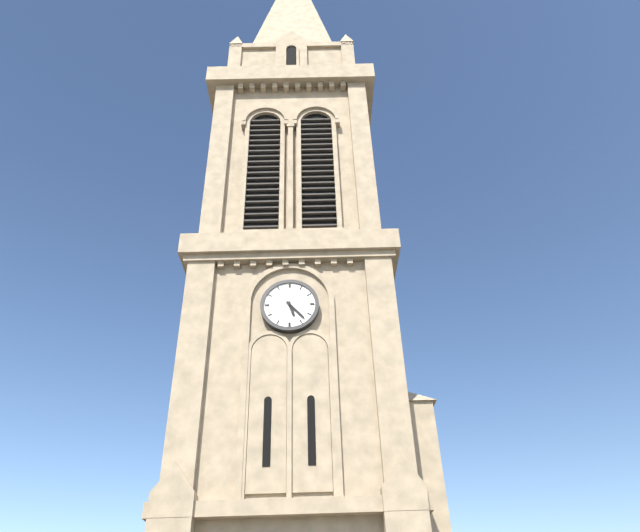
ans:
**5:23**
